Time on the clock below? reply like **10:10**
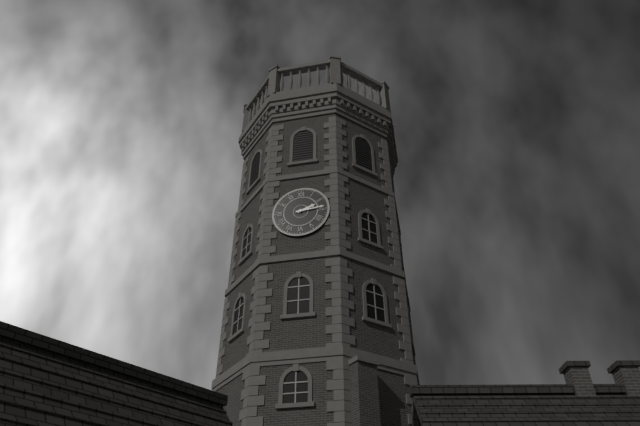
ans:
**2:14**
